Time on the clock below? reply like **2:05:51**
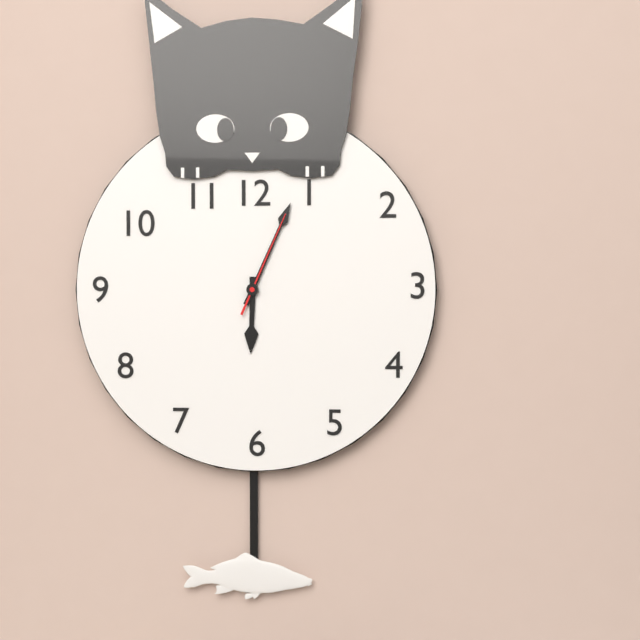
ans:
**6:04:04**
